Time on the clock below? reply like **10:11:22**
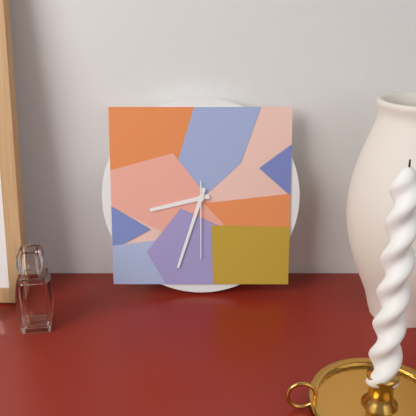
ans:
**8:33:30**
